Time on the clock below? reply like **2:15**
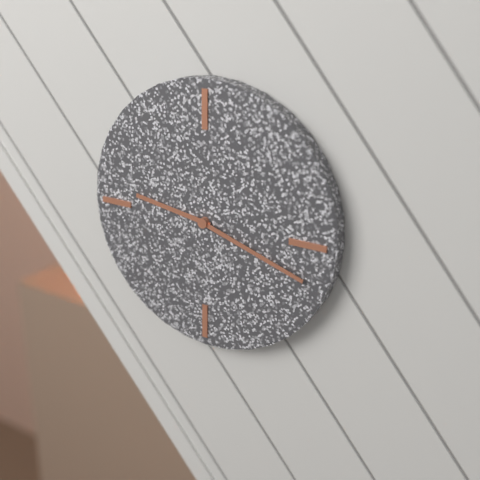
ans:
**9:18**
